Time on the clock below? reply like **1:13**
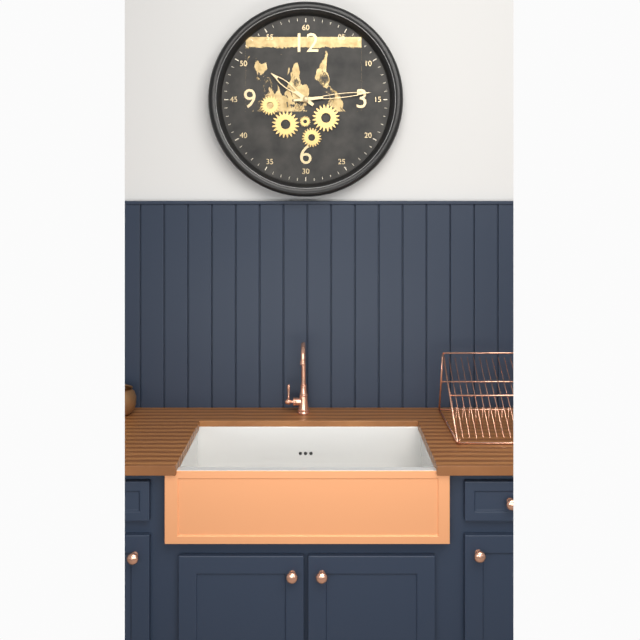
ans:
**10:14**
